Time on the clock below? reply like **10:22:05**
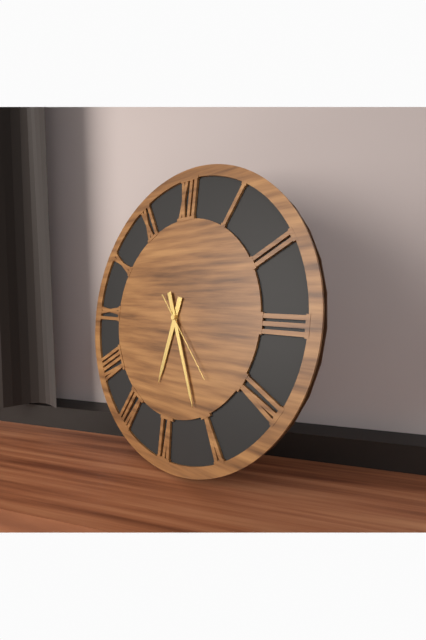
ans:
**6:26:23**
